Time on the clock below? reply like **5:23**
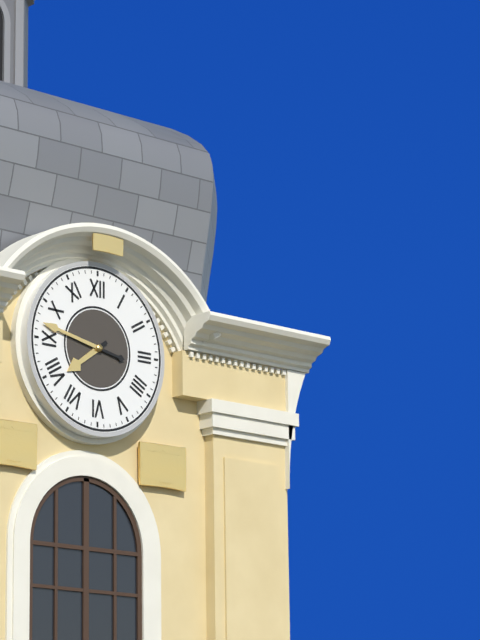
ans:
**7:47**
